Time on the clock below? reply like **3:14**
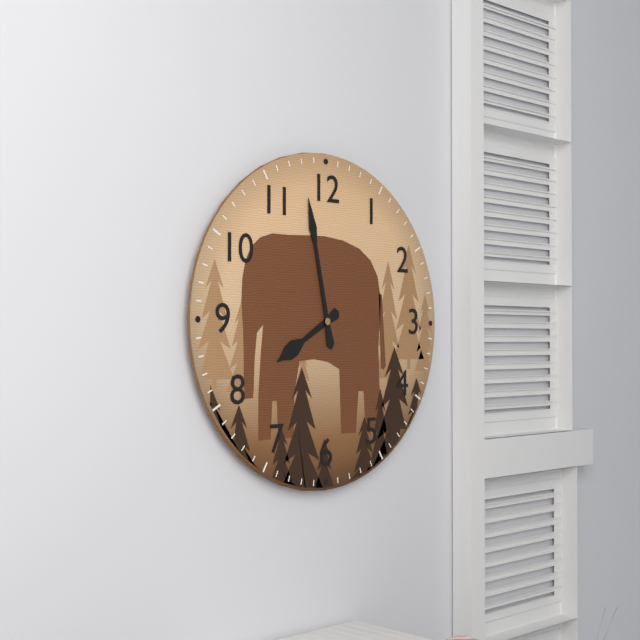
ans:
**7:58**
